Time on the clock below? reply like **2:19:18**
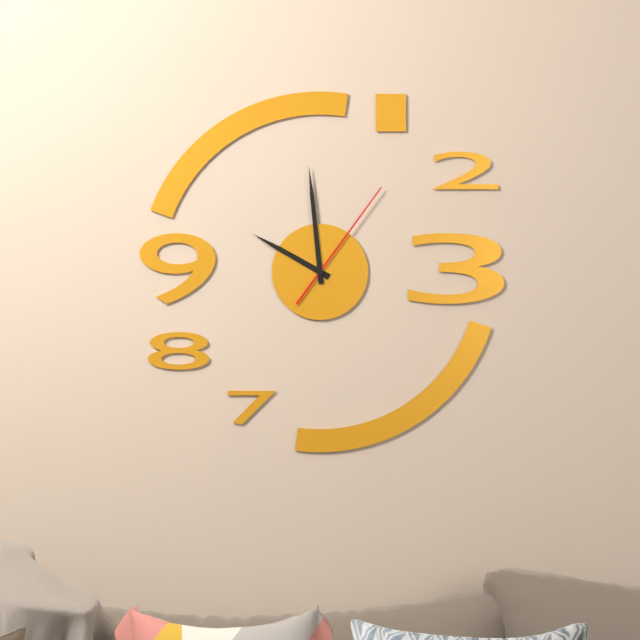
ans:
**9:59:06**
